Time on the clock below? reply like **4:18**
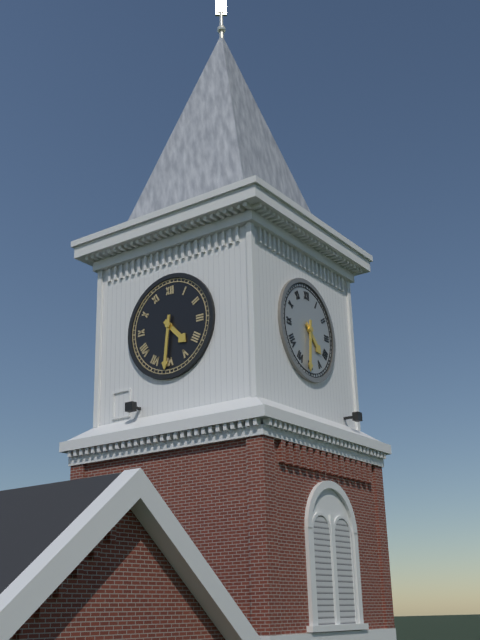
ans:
**4:31**
